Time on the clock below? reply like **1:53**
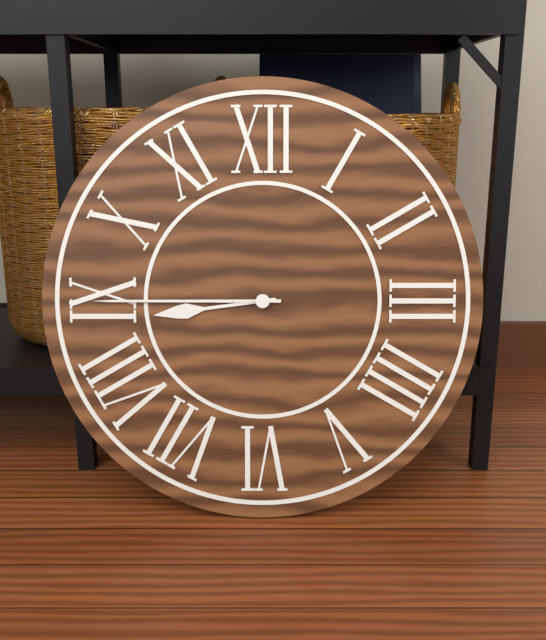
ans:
**8:45**
